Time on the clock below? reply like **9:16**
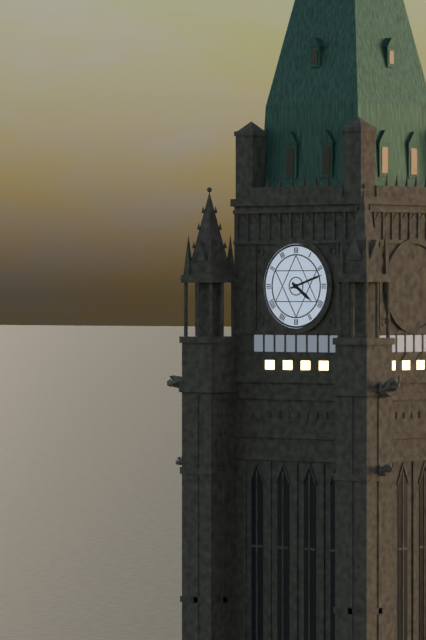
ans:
**4:12**
